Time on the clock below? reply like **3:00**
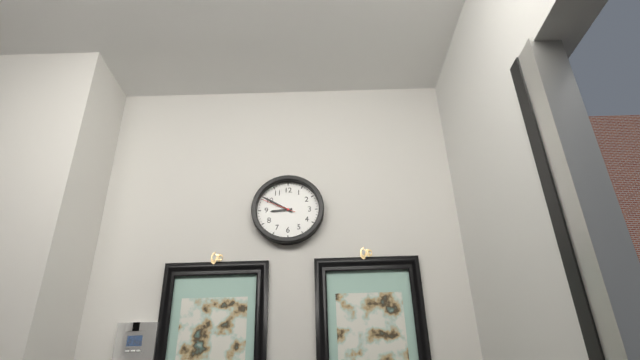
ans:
**8:50**
